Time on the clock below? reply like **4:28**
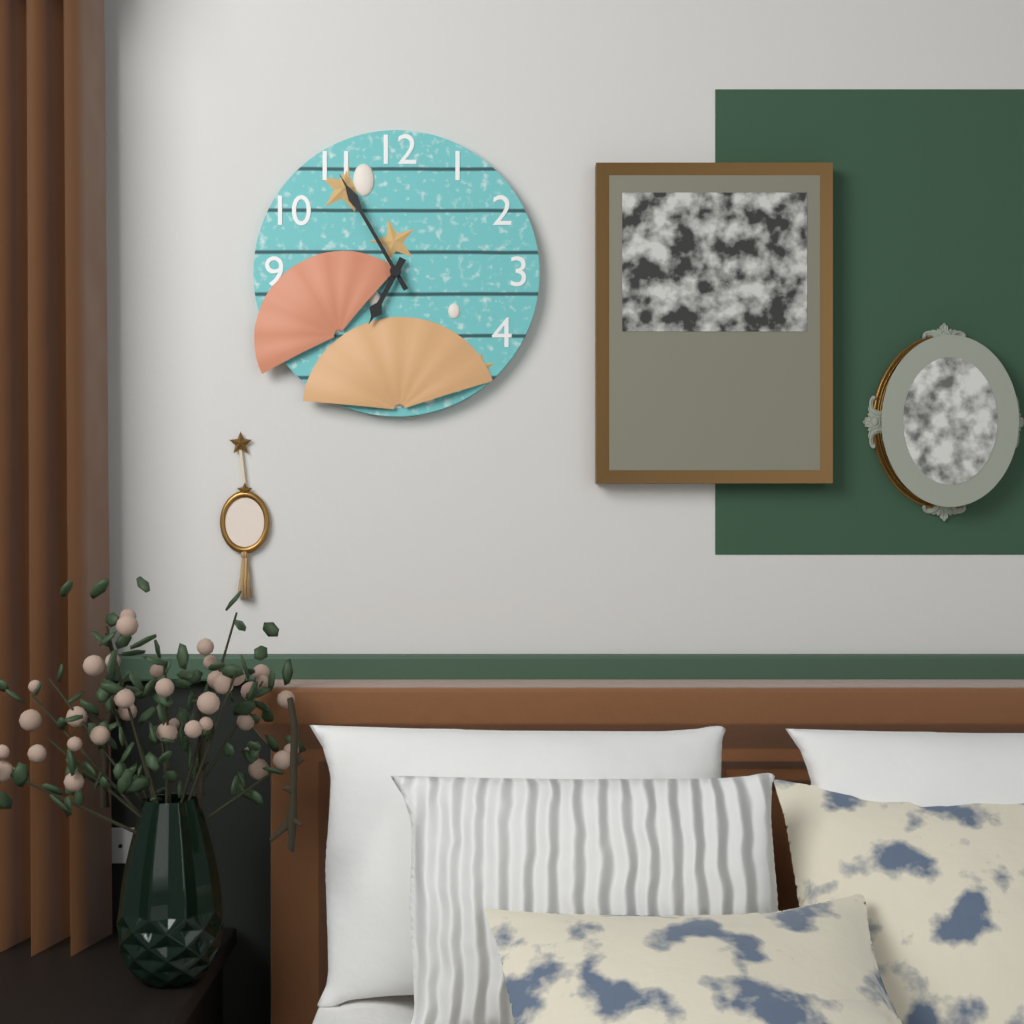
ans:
**6:55**
